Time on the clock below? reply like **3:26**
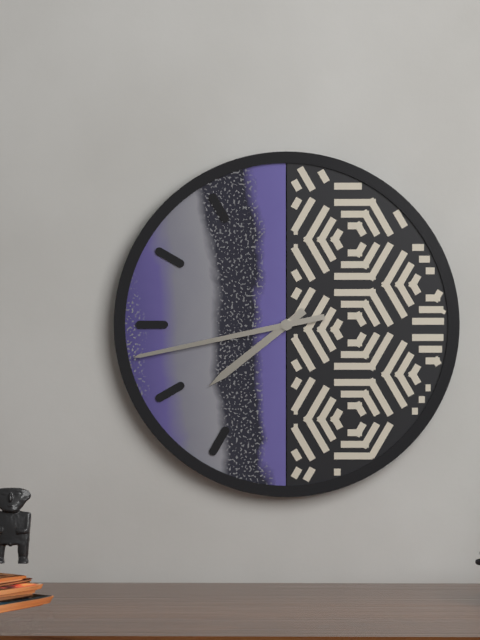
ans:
**7:43**
